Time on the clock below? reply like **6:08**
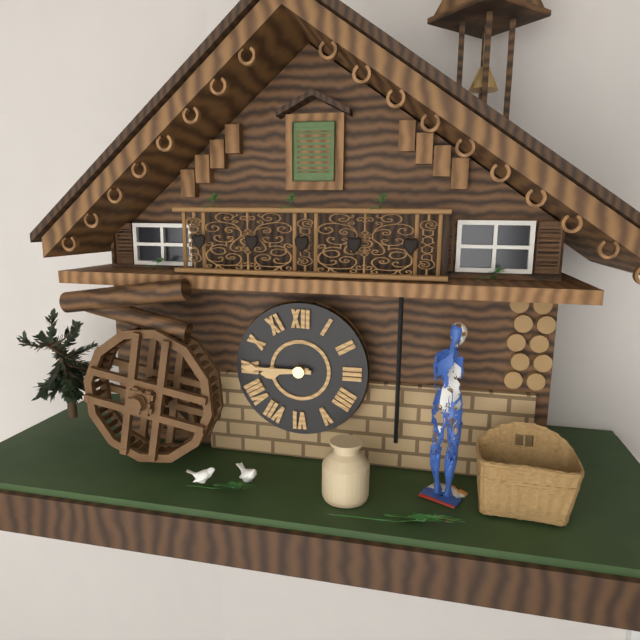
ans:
**8:45**
